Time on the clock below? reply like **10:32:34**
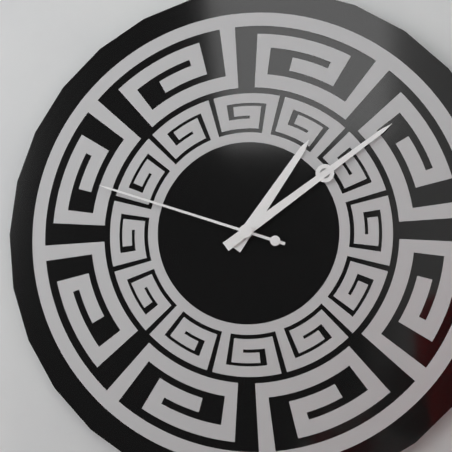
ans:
**1:09:48**
